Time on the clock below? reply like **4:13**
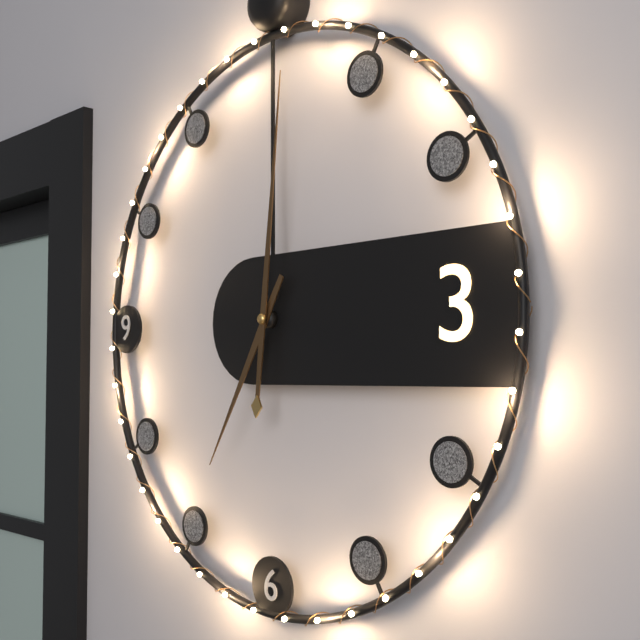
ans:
**7:01**
